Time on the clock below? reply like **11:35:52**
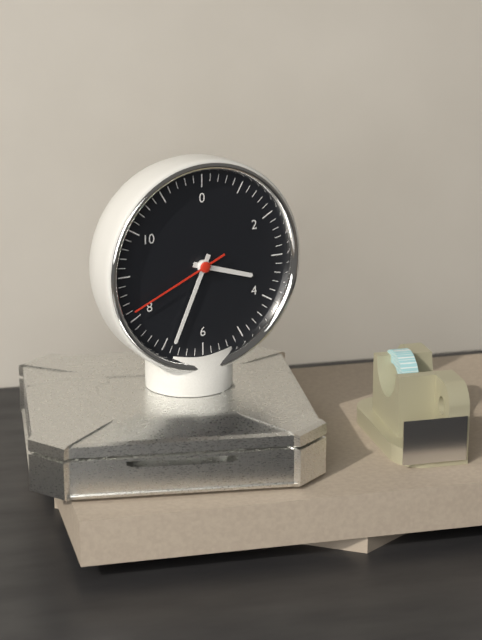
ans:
**3:34:41**
